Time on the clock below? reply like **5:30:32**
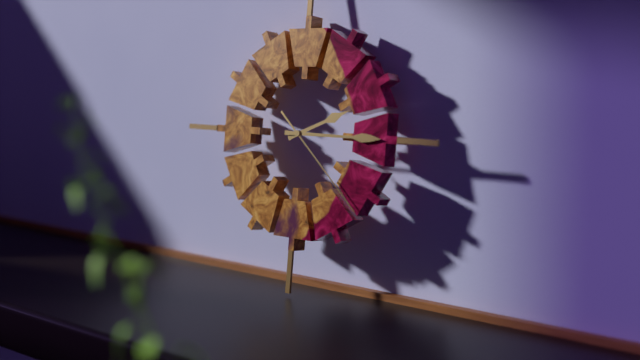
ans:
**2:15:22**
